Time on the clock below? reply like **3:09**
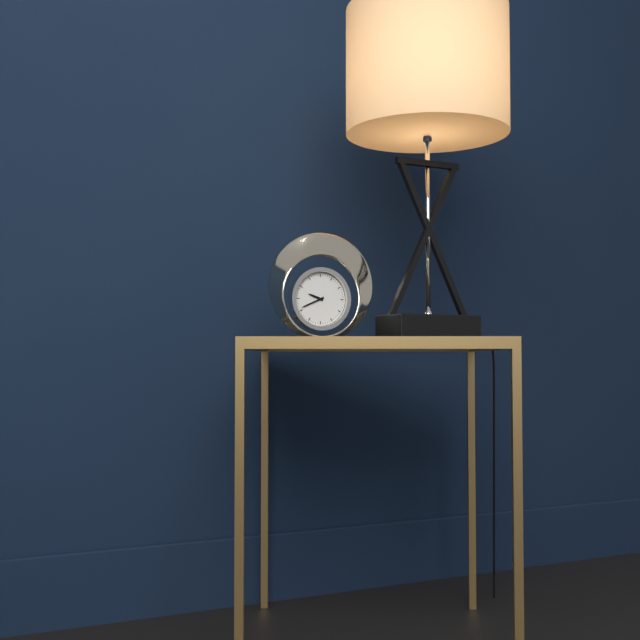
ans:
**9:41**
